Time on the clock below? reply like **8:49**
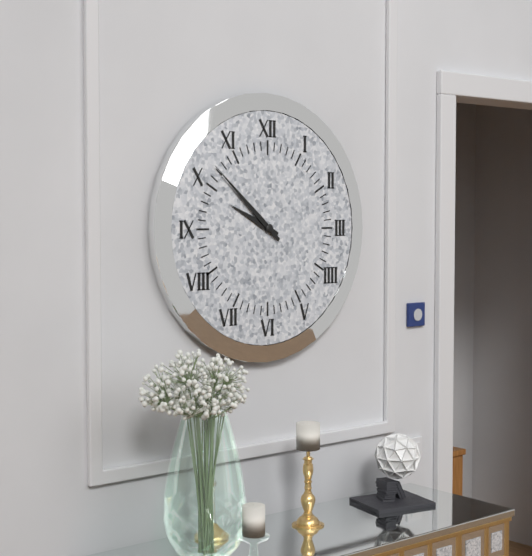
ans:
**9:52**
